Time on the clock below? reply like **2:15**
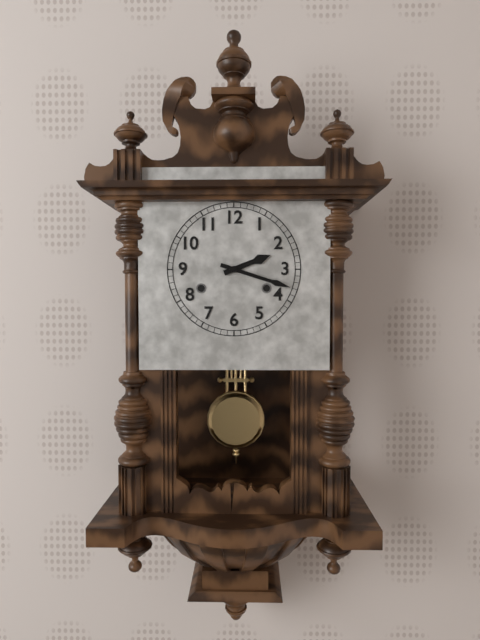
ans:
**2:18**
